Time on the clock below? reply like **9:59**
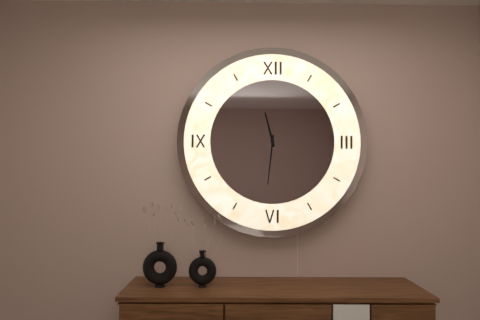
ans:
**11:31**
